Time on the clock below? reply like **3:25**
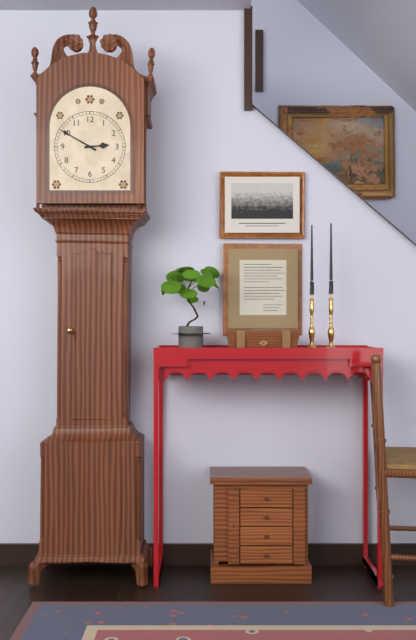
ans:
**2:50**
